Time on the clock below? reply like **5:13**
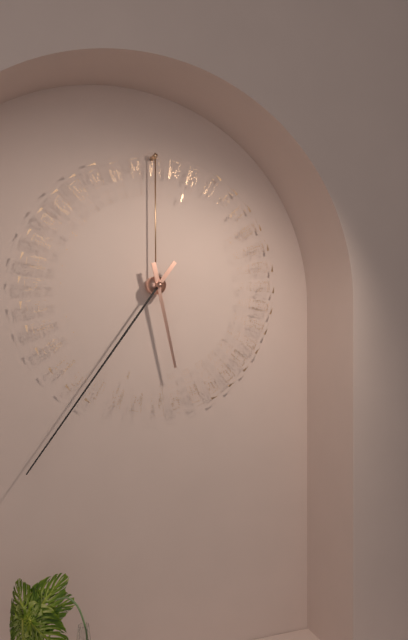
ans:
**5:36**
